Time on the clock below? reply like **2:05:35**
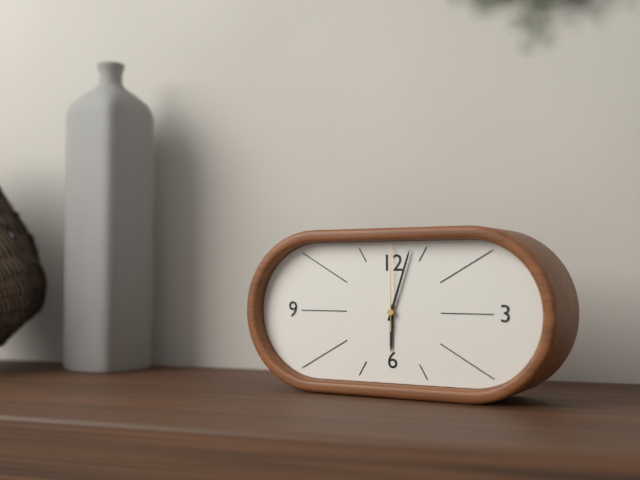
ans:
**6:03:00**
